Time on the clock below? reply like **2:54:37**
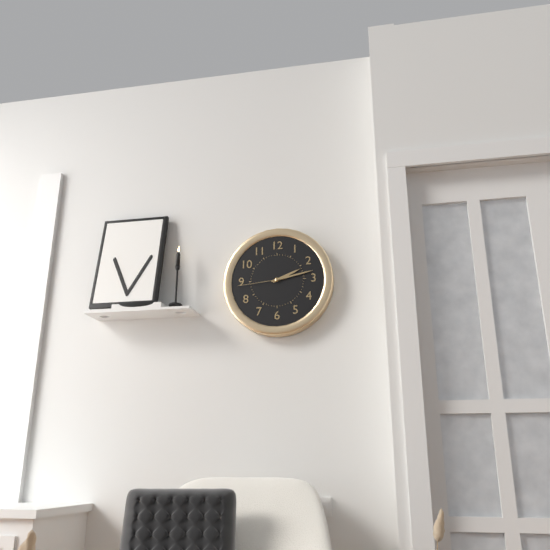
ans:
**2:13:44**
